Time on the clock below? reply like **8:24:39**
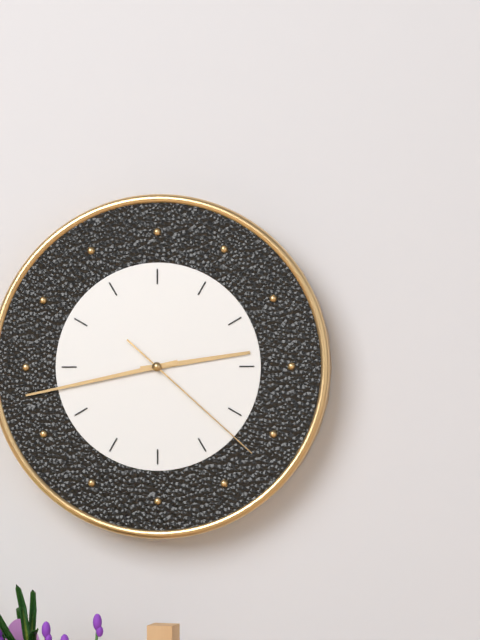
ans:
**2:43:22**
